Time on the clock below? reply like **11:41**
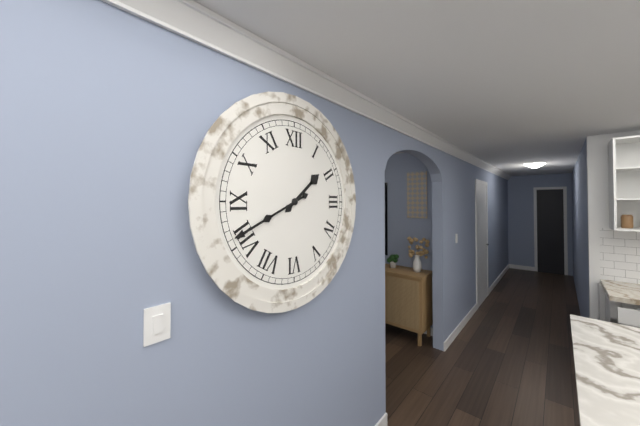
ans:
**1:41**
